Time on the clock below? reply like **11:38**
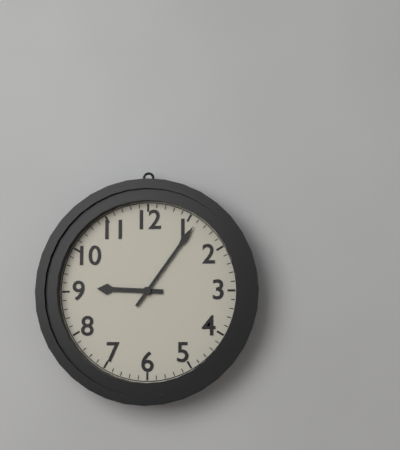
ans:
**9:06**
